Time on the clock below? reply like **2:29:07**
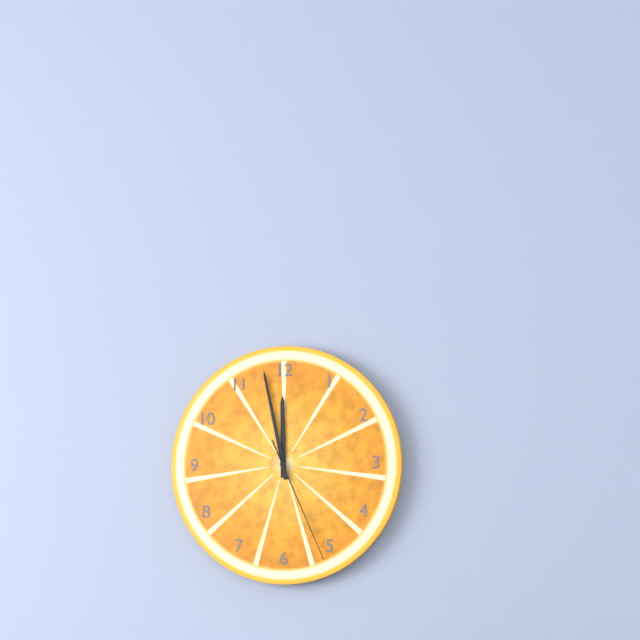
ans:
**11:58:26**
